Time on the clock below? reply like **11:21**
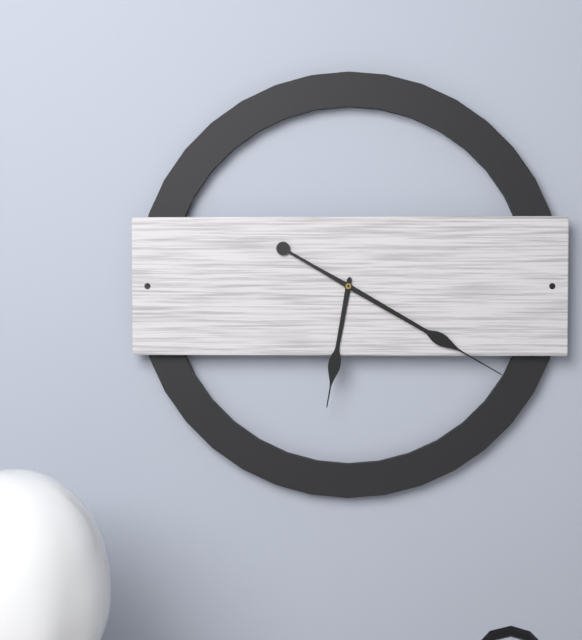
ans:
**6:20**
